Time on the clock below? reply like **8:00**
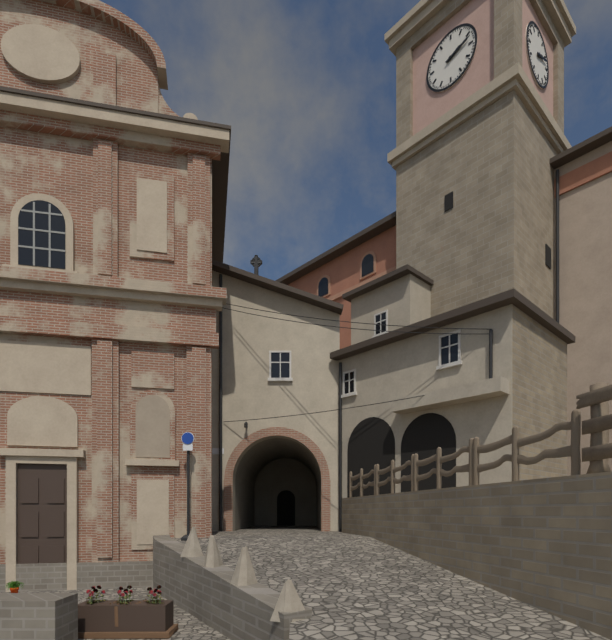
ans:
**2:12**
